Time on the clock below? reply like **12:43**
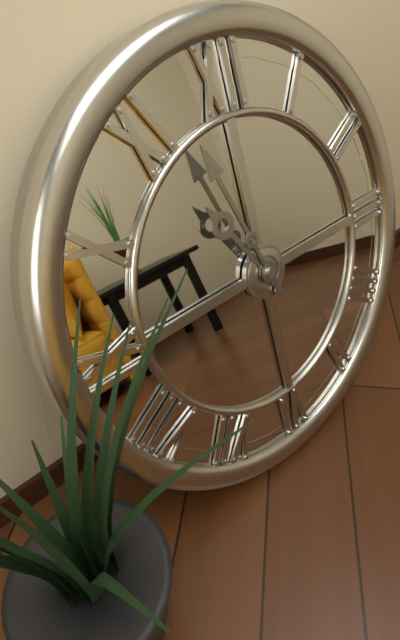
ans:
**10:57**
